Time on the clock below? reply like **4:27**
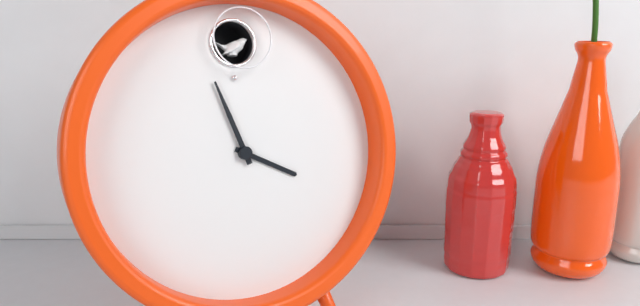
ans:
**3:57**
